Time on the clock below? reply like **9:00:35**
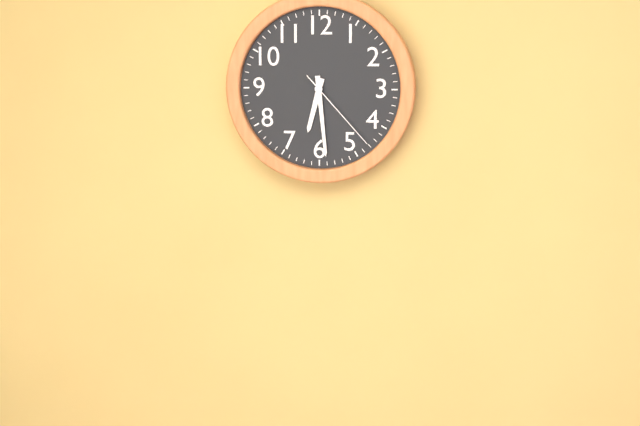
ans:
**6:29:23**
